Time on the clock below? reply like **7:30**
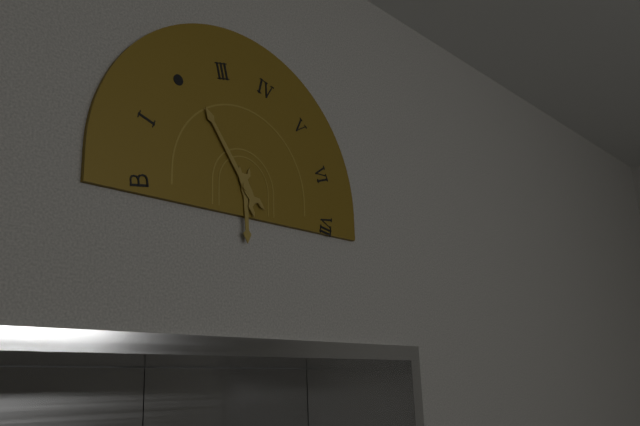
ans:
**5:54**
